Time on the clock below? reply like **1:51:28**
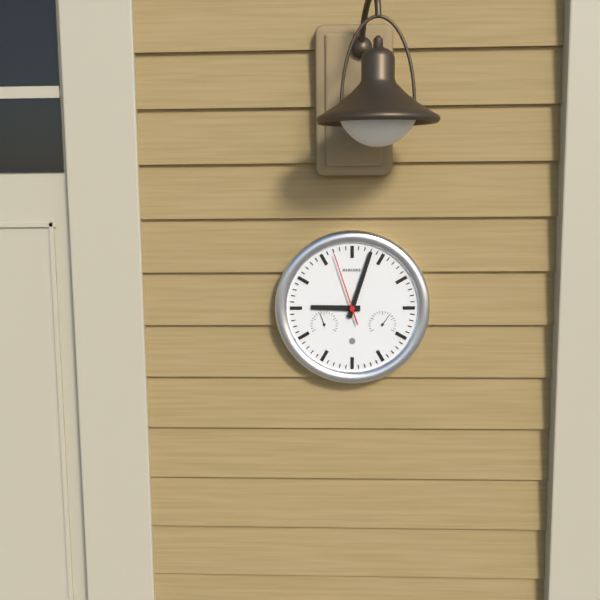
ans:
**9:03:57**
